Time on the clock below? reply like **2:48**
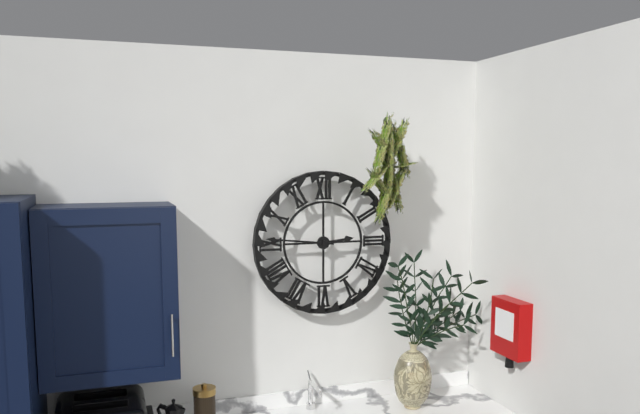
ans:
**2:46**
